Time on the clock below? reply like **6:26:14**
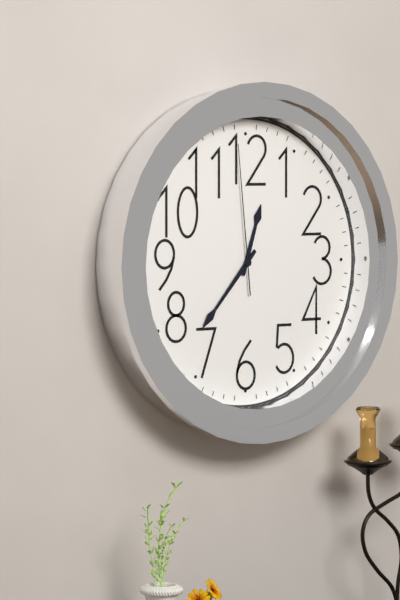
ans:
**12:37:59**
